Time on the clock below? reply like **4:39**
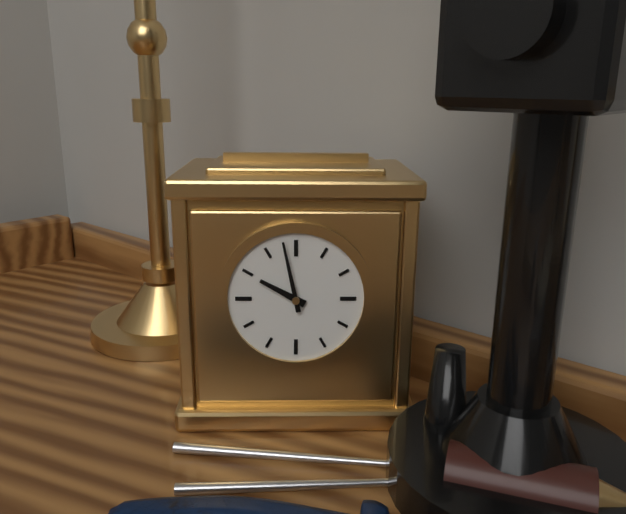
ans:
**9:58**
